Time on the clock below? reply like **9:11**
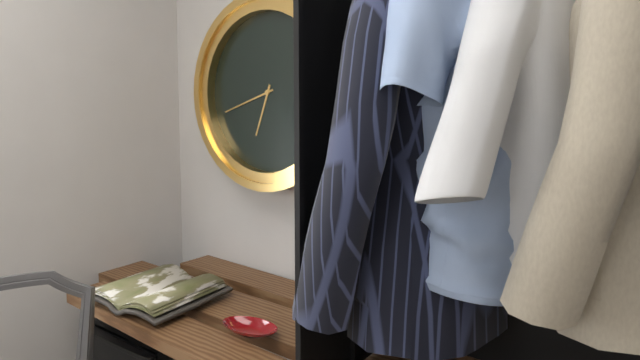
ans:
**6:42**
